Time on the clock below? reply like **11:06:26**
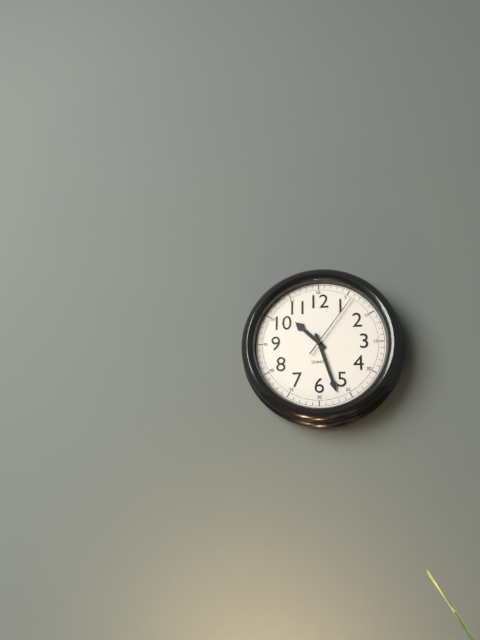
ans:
**10:27:06**
